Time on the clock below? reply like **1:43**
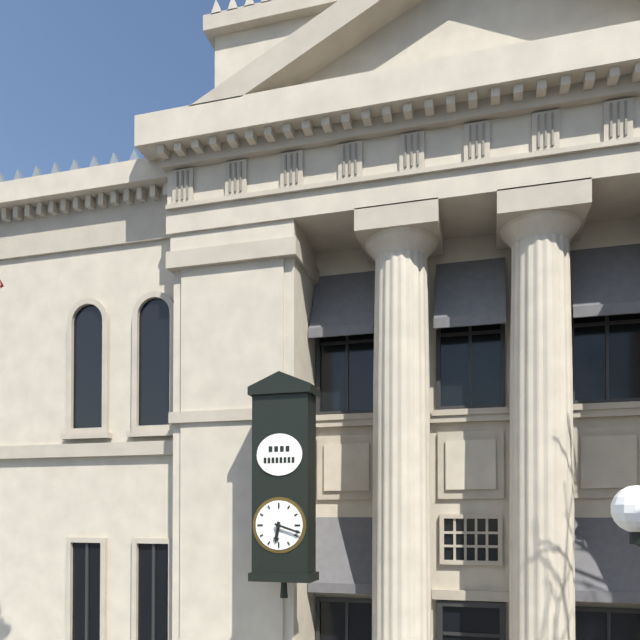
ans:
**6:18**
